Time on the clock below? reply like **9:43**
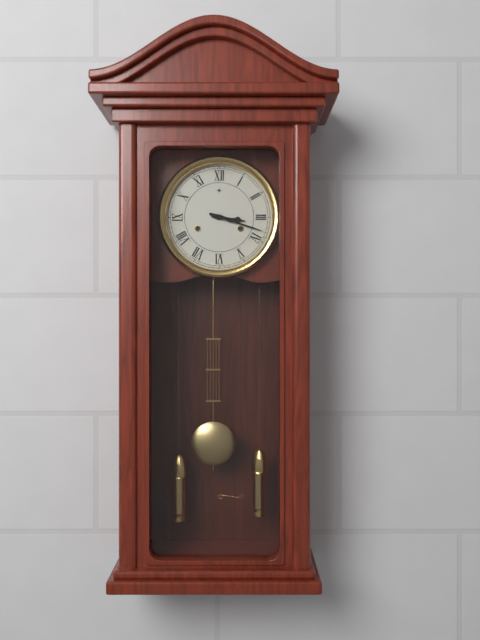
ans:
**3:18**
